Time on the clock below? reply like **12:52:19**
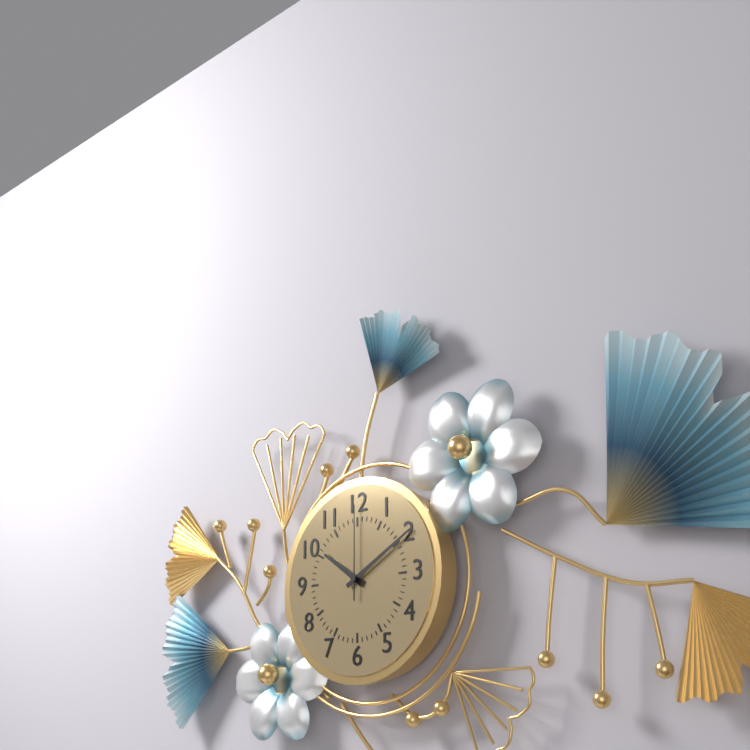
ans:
**10:10:00**
